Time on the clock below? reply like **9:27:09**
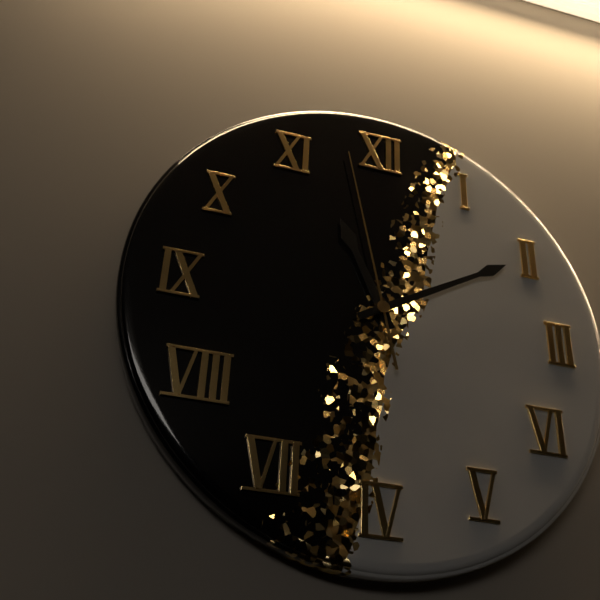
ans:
**11:10:58**
